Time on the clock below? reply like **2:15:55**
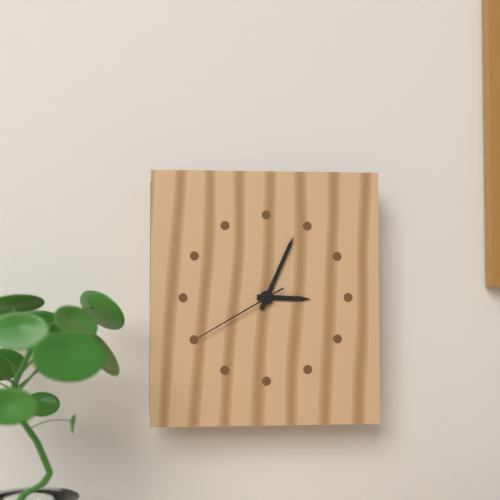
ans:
**3:04:40**
